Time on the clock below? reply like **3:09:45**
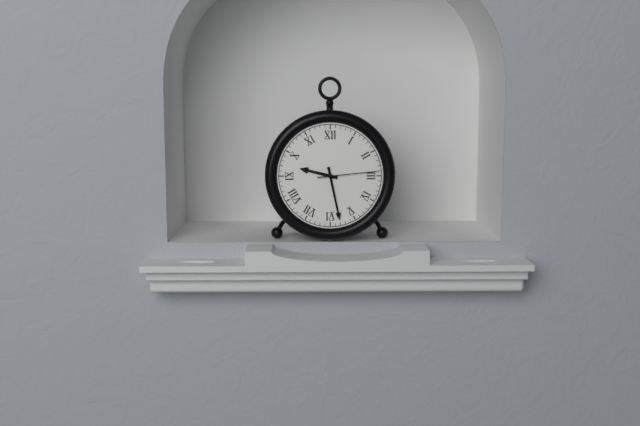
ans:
**9:28:14**
